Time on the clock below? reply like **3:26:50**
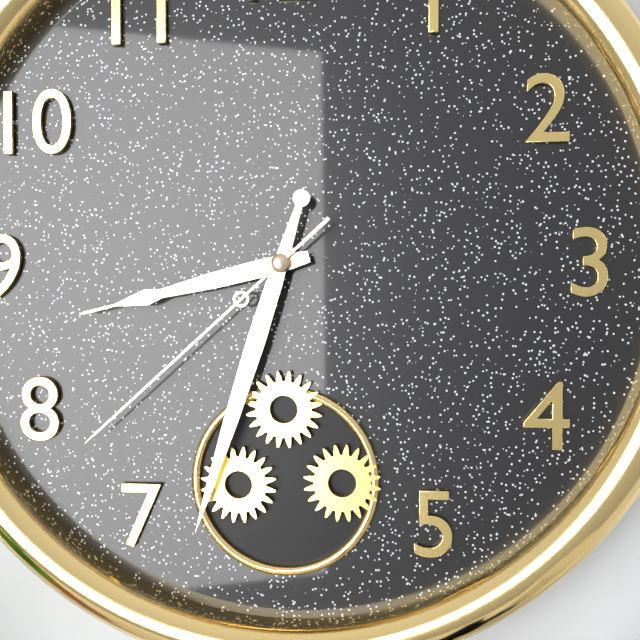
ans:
**8:33:38**
